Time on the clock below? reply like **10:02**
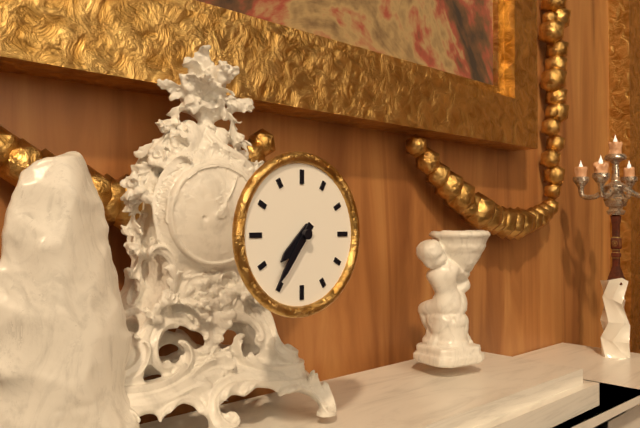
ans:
**7:36**
